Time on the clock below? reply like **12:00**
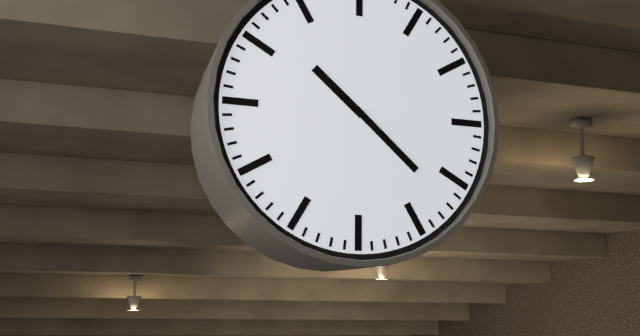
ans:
**10:22**
